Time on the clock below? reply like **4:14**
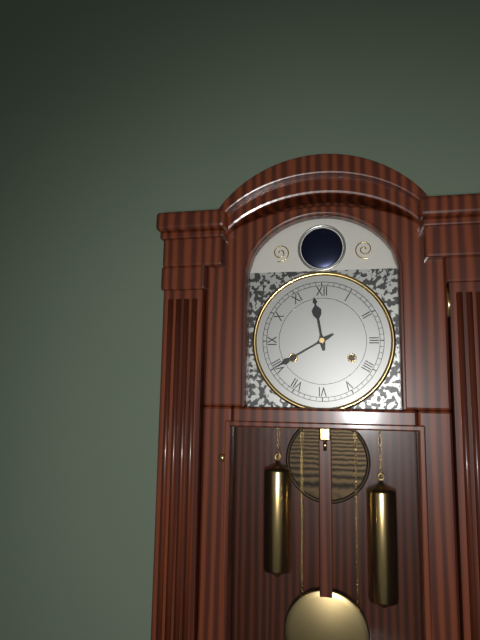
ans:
**11:40**
